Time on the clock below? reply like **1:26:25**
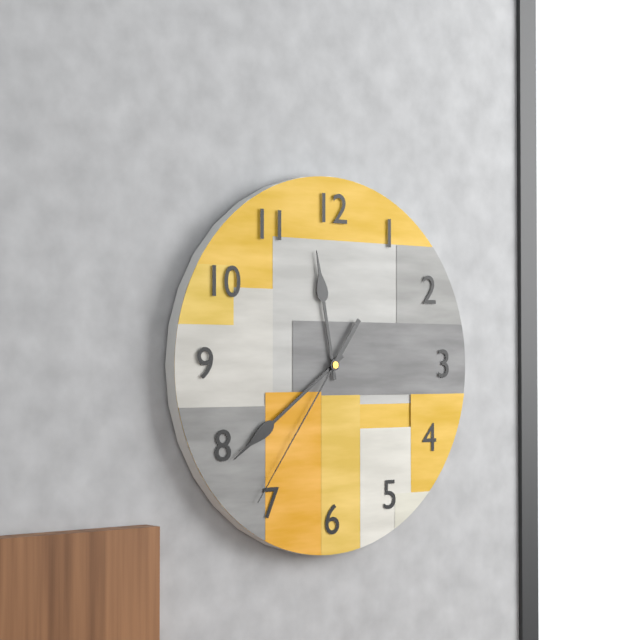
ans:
**11:39:36**
